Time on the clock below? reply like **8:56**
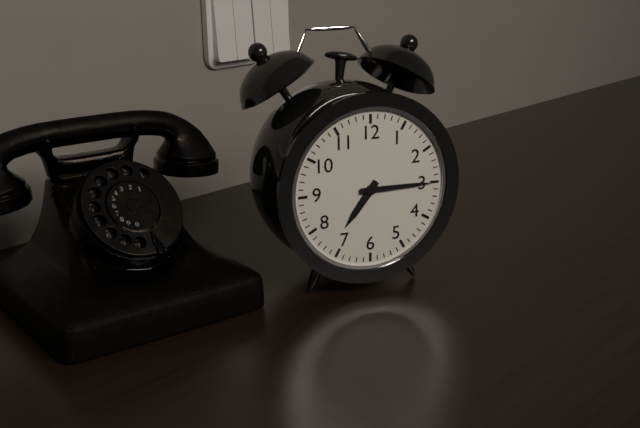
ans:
**7:15**
